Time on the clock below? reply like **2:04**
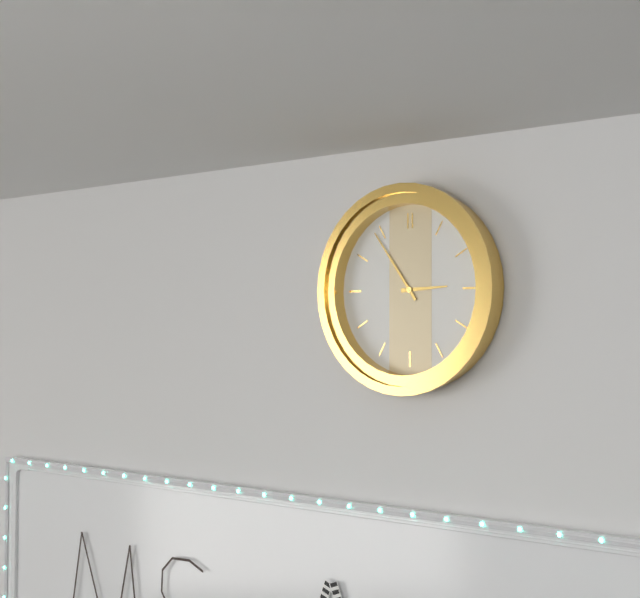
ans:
**2:54**
